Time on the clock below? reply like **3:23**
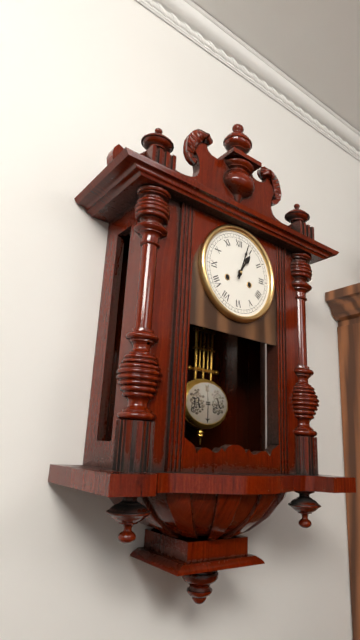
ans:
**1:03**
